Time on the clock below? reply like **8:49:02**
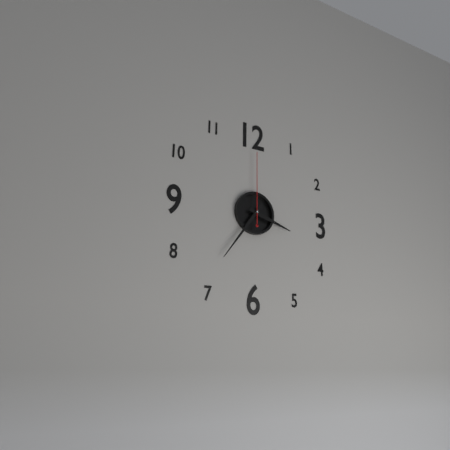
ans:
**3:36:00**
